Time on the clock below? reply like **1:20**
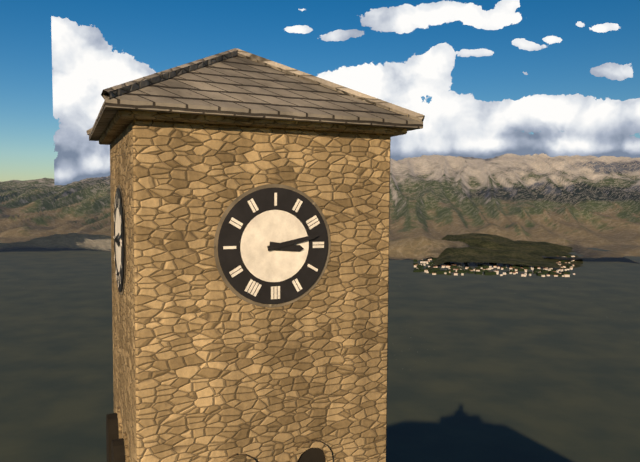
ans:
**3:13**
